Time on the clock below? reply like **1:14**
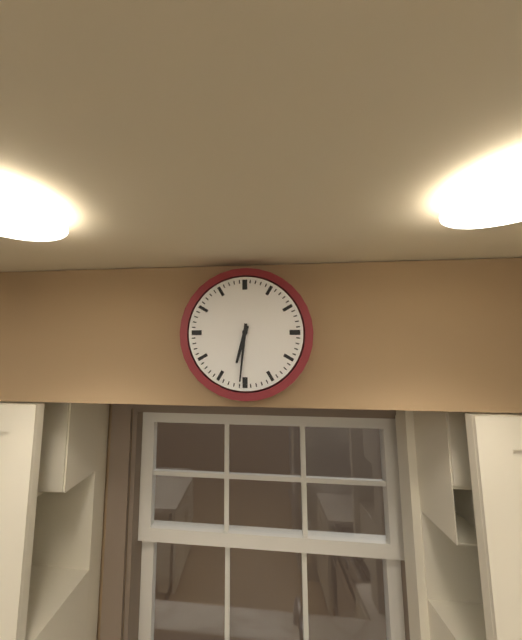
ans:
**6:31**
